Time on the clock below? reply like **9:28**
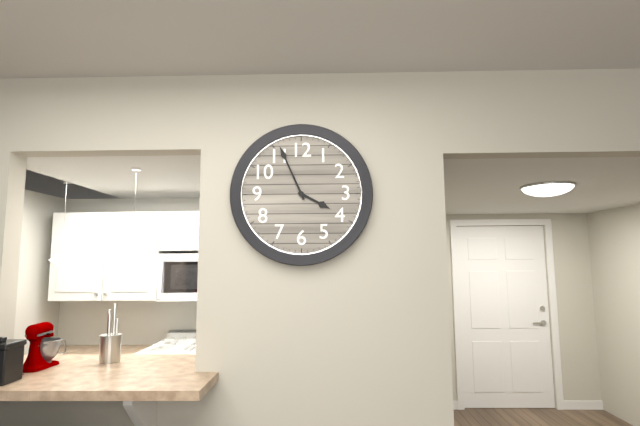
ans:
**3:56**
